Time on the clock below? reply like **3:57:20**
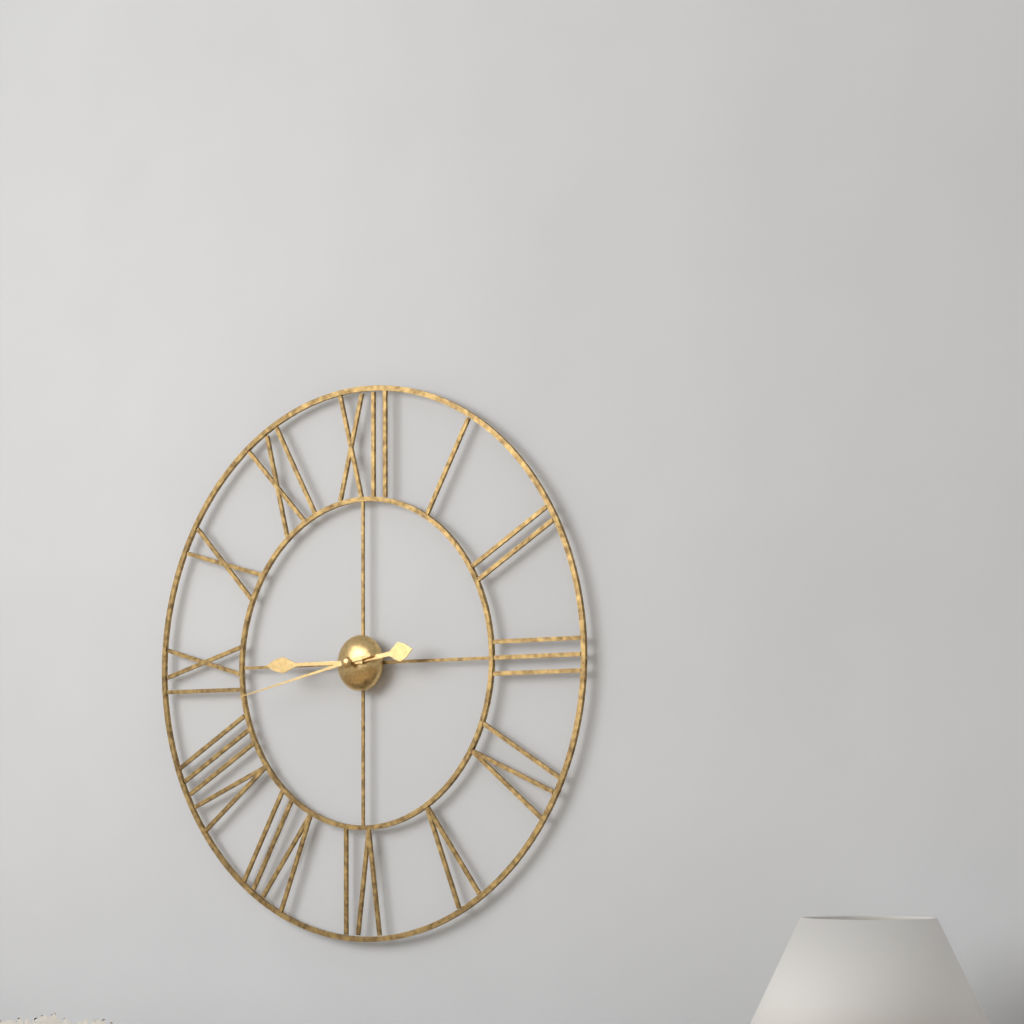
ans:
**2:45:43**
